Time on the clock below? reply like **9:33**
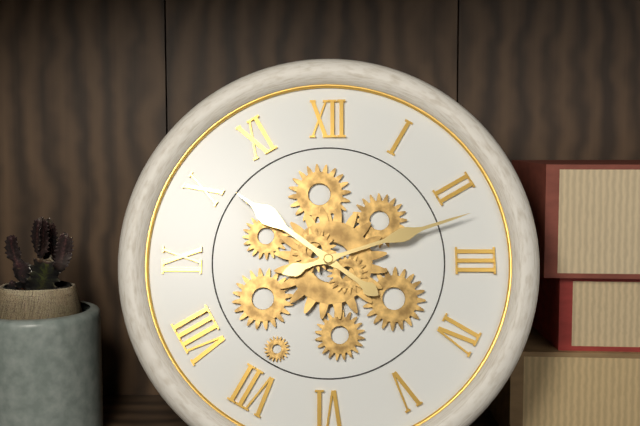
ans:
**10:12**
